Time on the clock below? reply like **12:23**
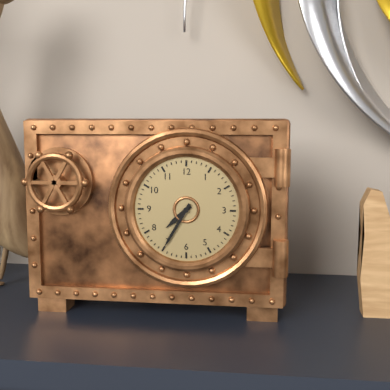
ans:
**7:35**
